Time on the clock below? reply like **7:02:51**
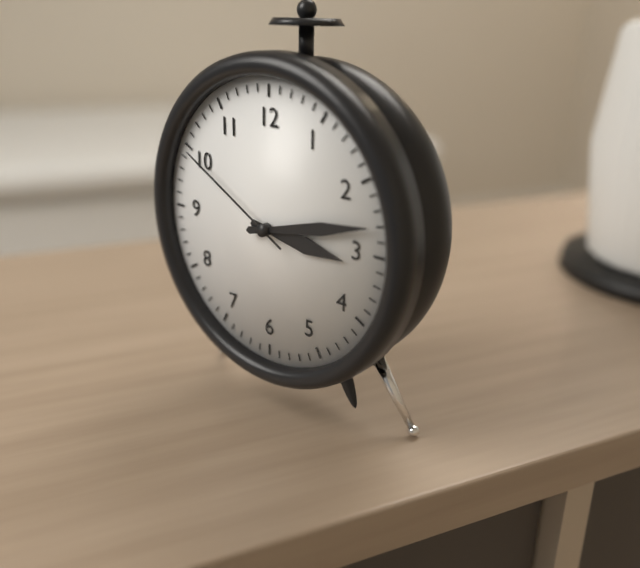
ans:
**3:13:50**
